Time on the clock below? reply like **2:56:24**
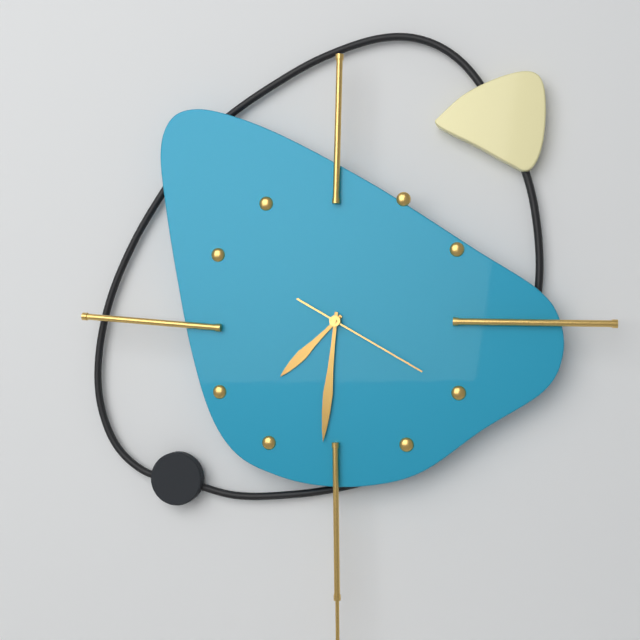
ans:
**7:31:20**
